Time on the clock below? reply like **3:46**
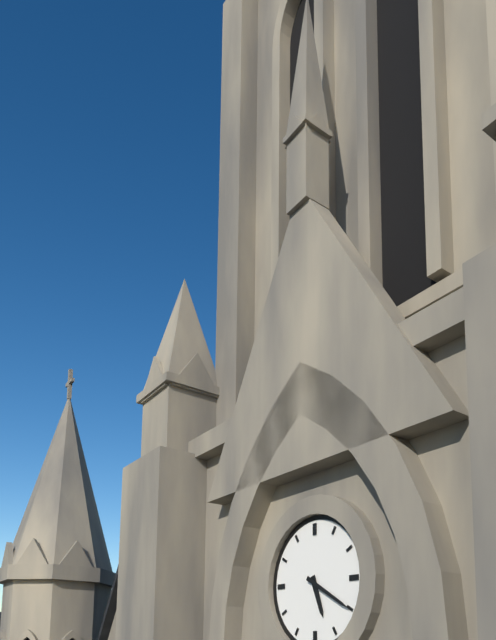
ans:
**5:20**
